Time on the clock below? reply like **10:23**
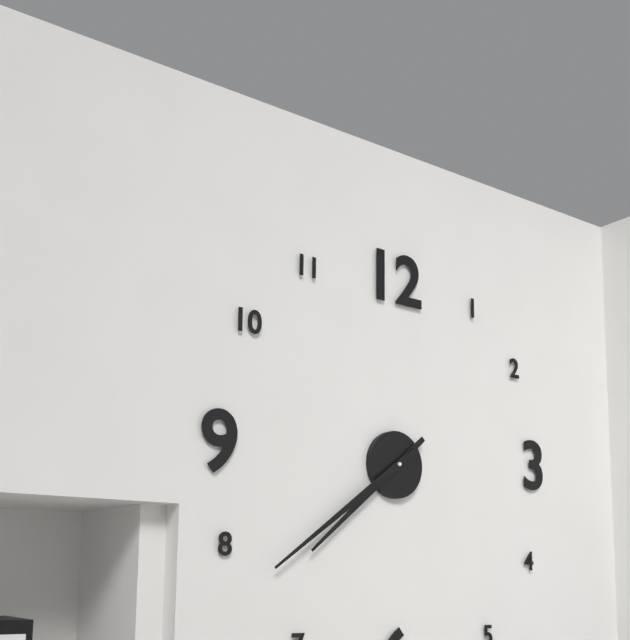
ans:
**7:39**
